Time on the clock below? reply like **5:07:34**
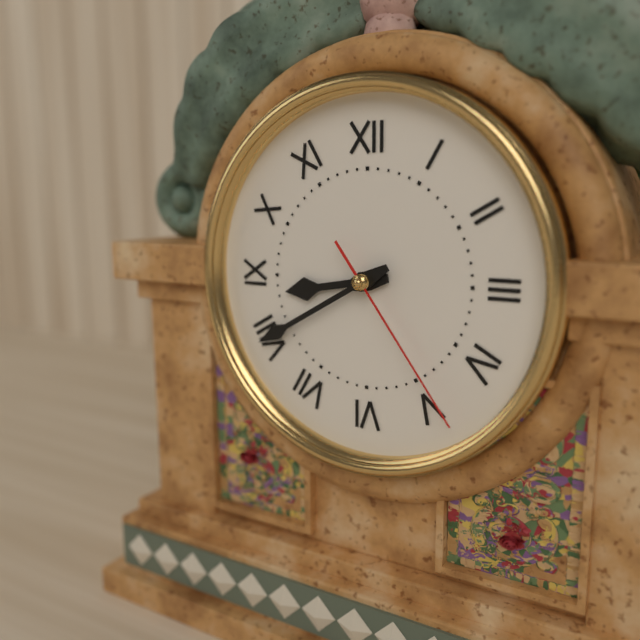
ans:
**8:40:24**
